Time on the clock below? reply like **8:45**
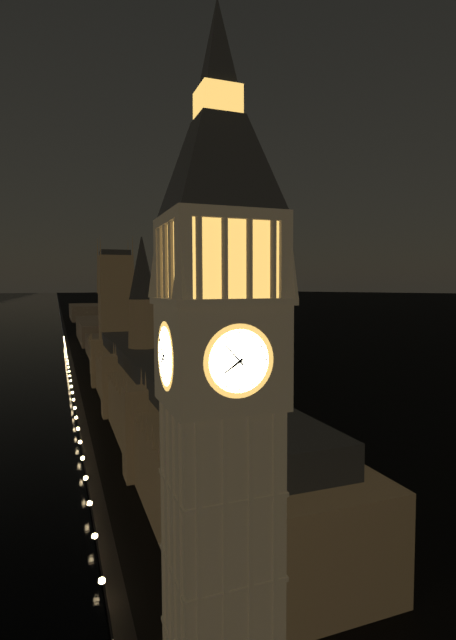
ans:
**7:53**
